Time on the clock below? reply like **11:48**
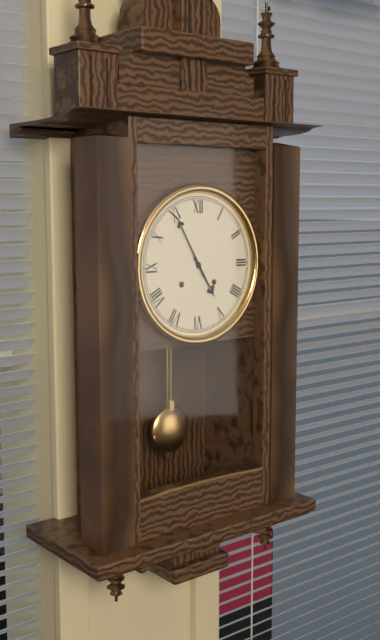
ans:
**4:55**
